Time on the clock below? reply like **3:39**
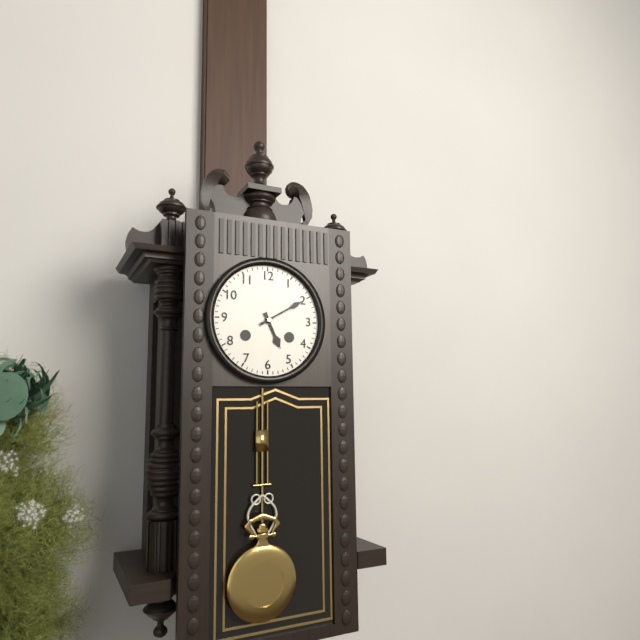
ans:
**5:10**
